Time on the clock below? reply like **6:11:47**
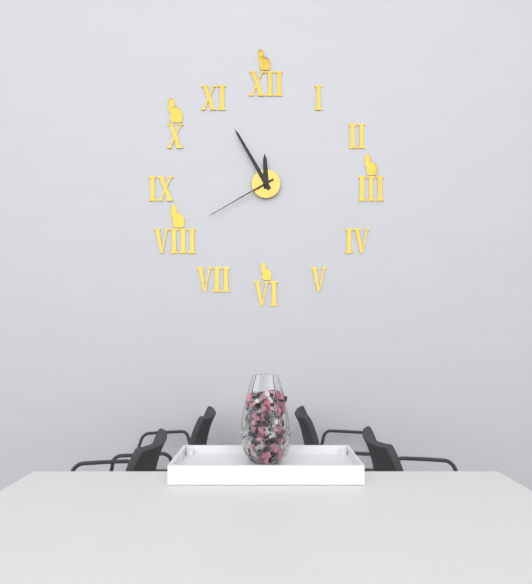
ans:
**11:55:40**
